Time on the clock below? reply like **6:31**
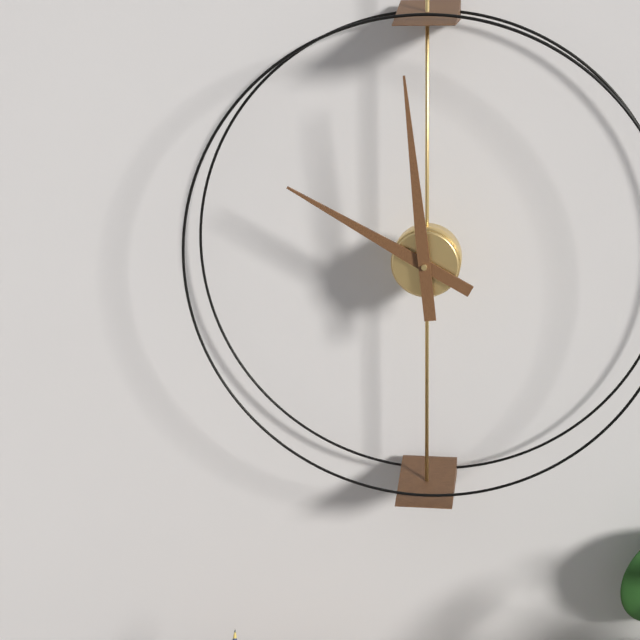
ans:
**9:59**
